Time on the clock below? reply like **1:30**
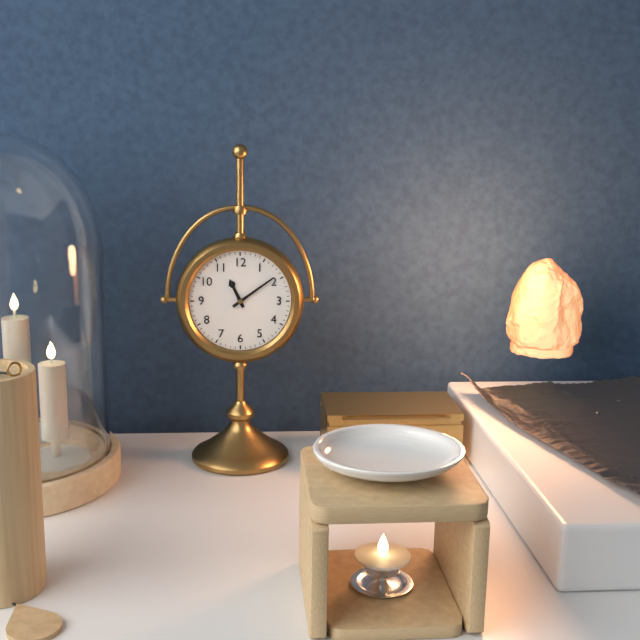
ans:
**11:09**
